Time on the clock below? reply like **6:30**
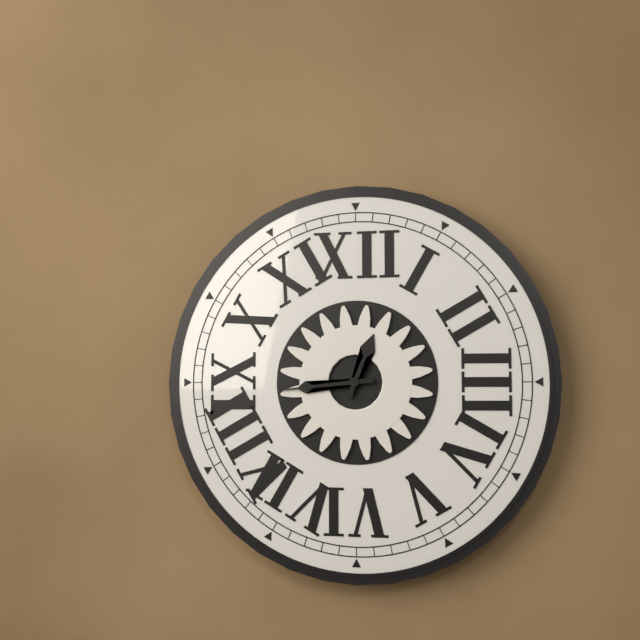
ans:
**12:44**
